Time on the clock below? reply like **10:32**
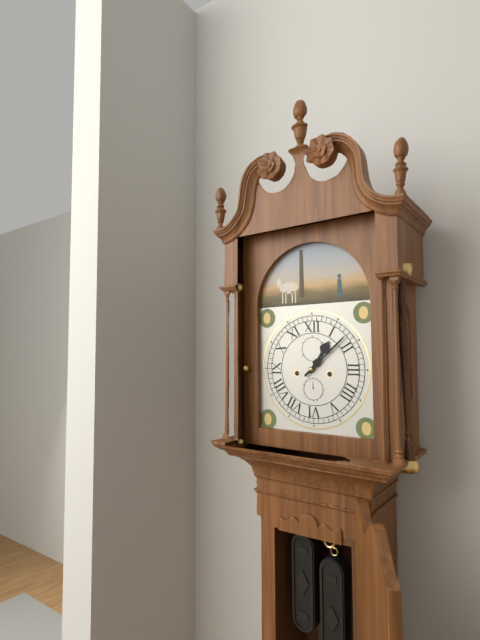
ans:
**1:08**
